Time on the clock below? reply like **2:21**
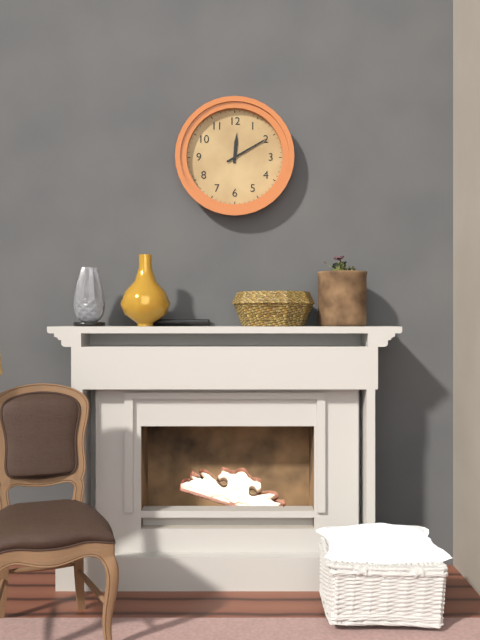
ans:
**12:10**
